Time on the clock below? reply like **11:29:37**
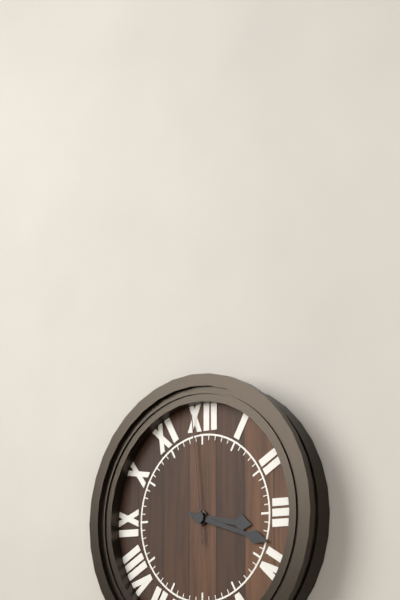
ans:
**3:18:59**
